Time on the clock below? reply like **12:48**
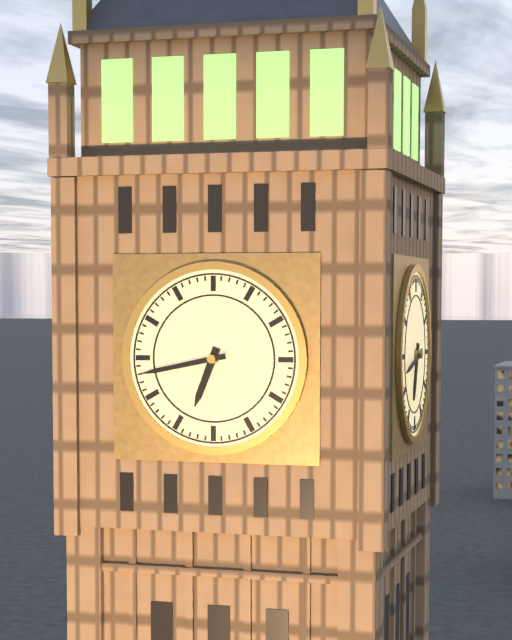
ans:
**6:43**
